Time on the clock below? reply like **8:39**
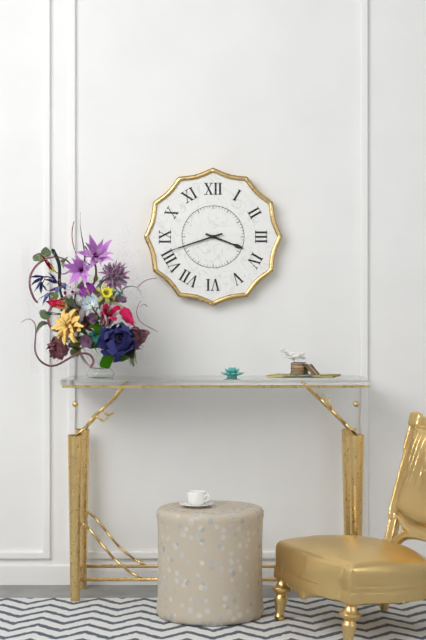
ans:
**3:42**
